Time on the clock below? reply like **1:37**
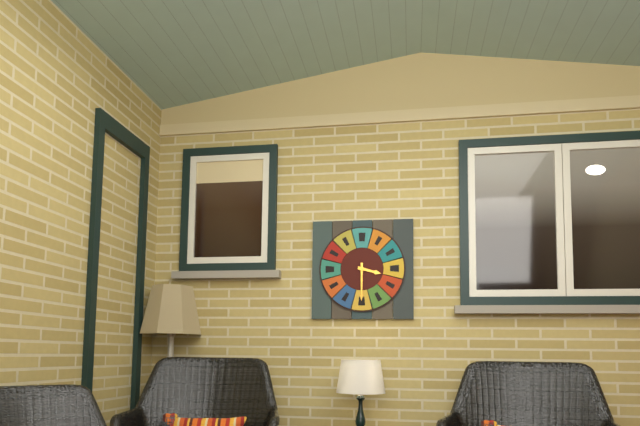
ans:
**3:30**
